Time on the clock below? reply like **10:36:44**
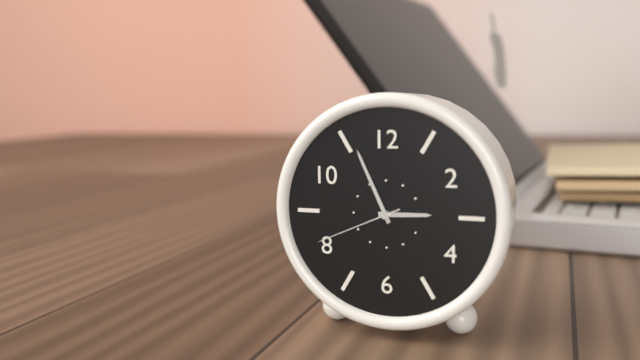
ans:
**2:56:41**
